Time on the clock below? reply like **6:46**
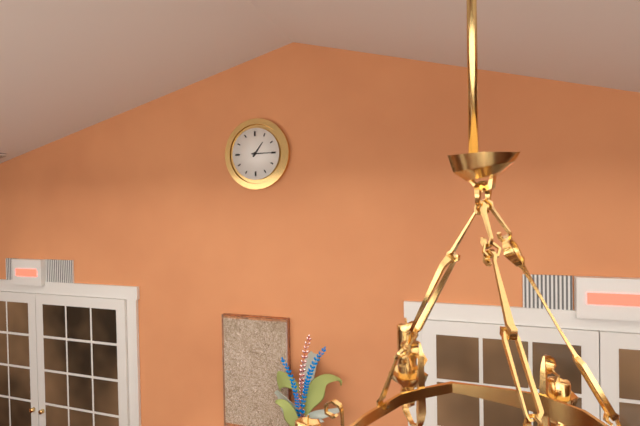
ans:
**1:15**
